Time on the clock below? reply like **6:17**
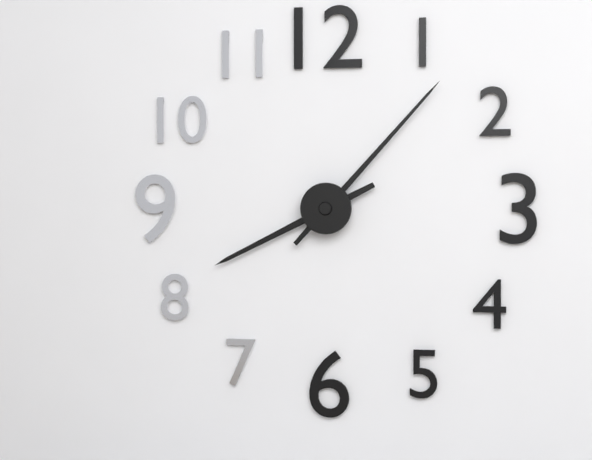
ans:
**8:07**
